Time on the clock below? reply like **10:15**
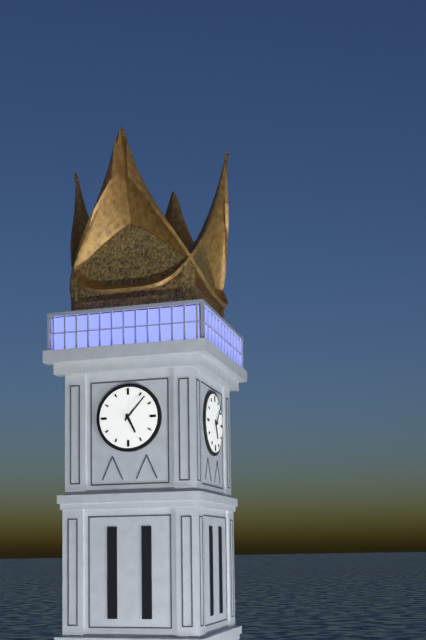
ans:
**5:07**
